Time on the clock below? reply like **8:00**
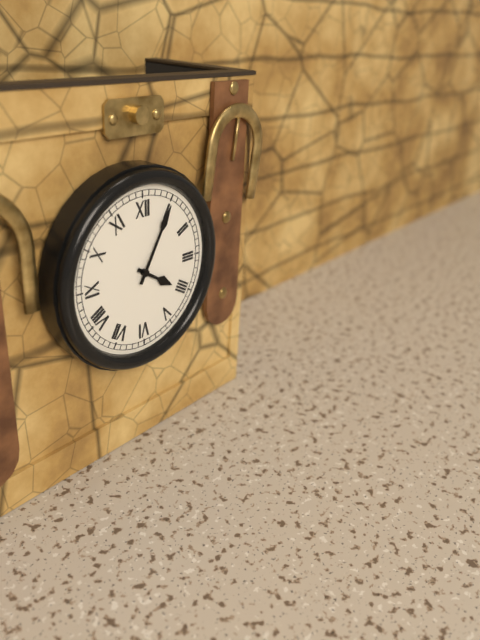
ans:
**4:05**
